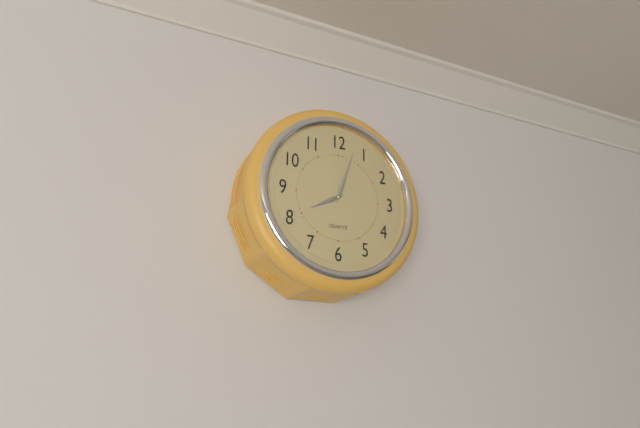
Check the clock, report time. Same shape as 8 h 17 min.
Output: 8 h 03 min
